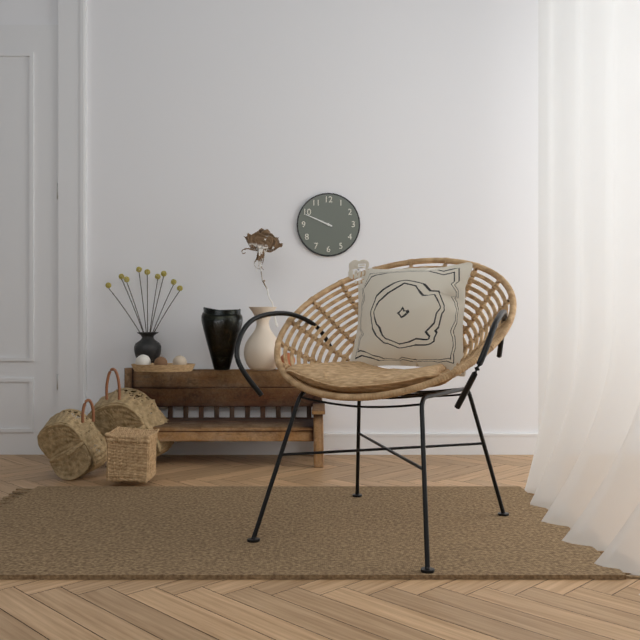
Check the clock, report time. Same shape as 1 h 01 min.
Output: 9 h 49 min
